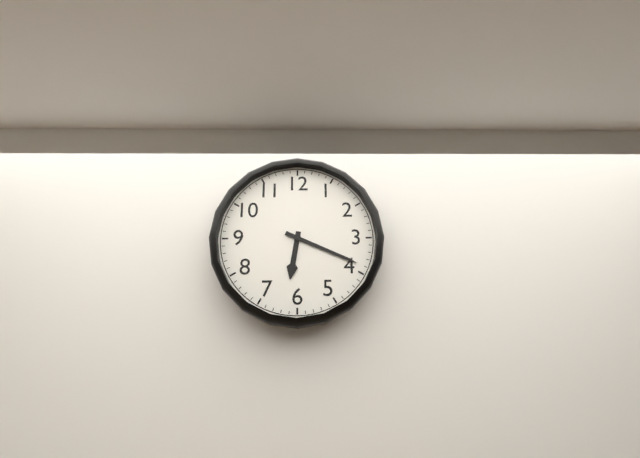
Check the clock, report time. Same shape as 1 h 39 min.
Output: 6 h 19 min
